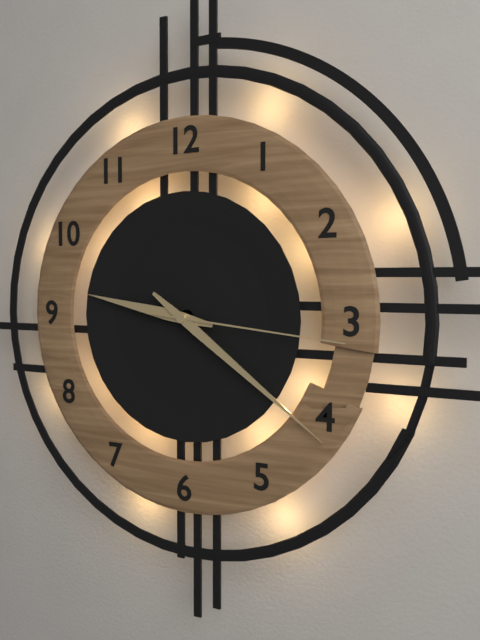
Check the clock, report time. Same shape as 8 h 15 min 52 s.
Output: 9 h 21 min 16 s
